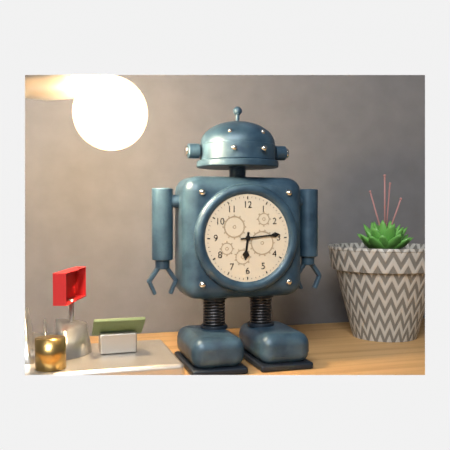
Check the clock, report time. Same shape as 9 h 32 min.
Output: 6 h 14 min
